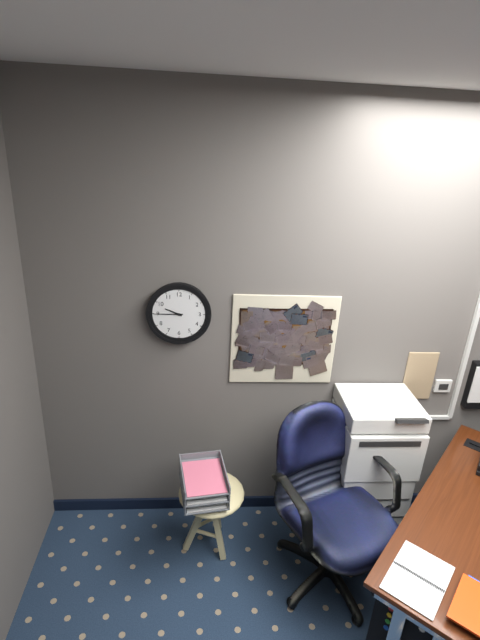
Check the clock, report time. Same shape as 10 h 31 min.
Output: 9 h 45 min
